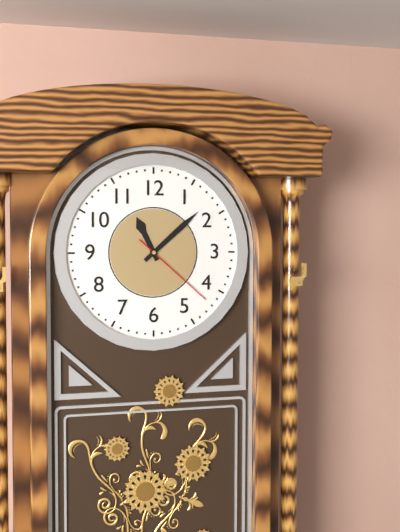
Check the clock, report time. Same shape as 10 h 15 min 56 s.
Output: 11 h 08 min 22 s
